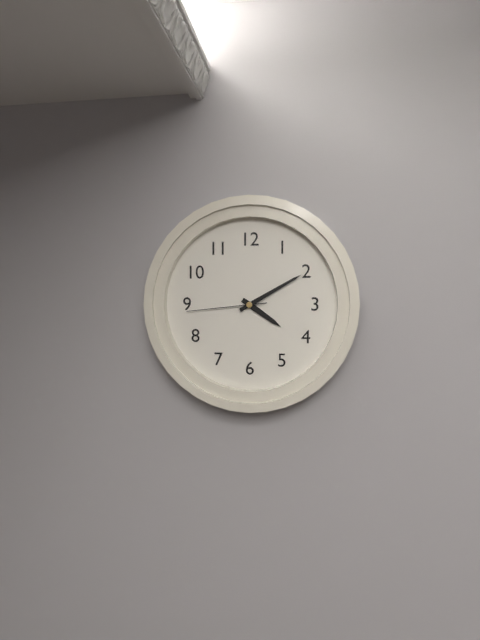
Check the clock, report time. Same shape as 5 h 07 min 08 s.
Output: 4 h 10 min 44 s
